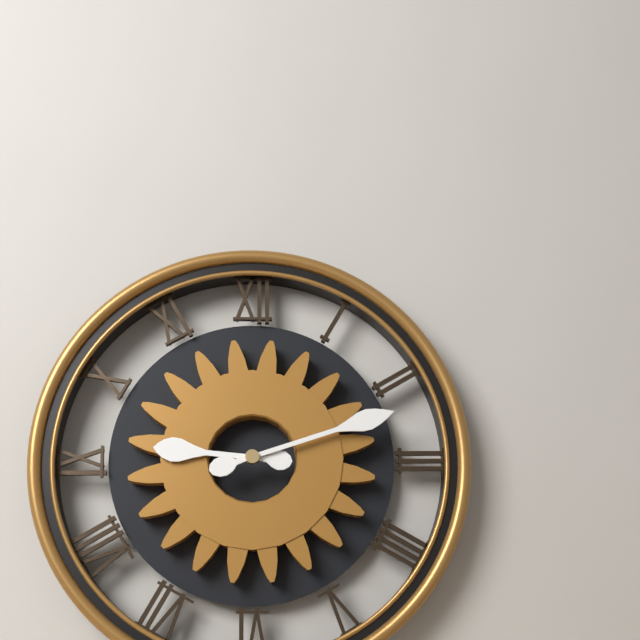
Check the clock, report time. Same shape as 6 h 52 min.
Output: 9 h 12 min
